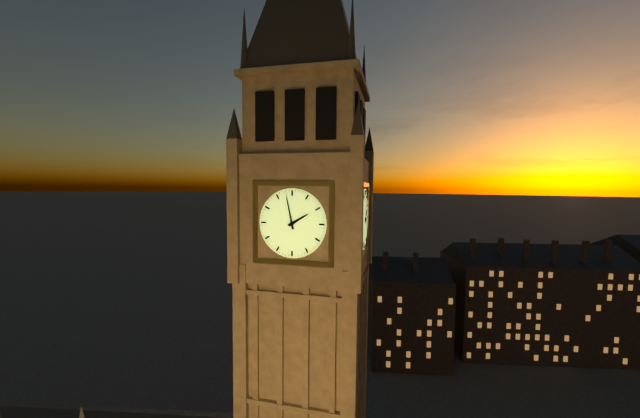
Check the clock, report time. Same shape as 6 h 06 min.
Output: 1 h 58 min
